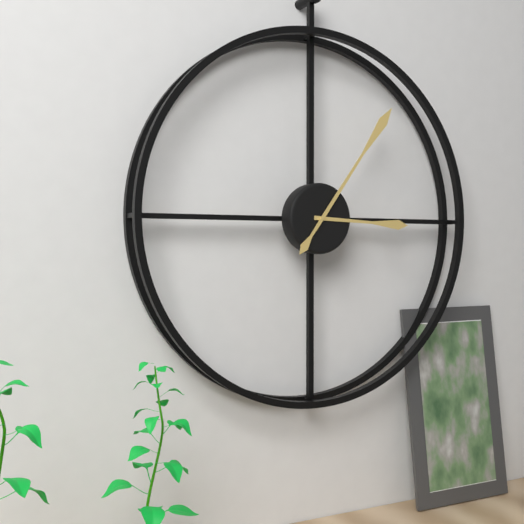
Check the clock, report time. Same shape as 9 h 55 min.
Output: 3 h 06 min
